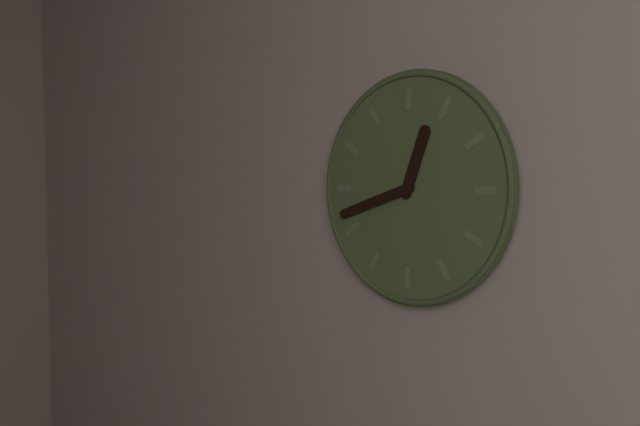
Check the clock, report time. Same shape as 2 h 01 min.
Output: 12 h 42 min
